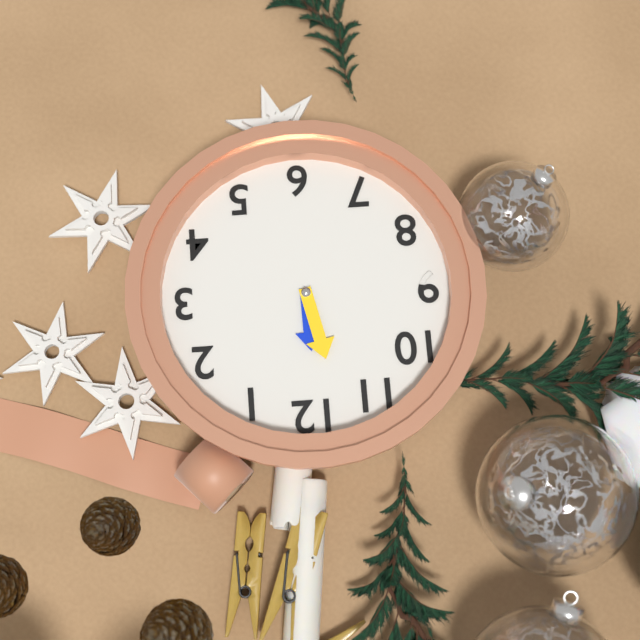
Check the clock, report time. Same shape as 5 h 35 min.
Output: 11 h 58 min
